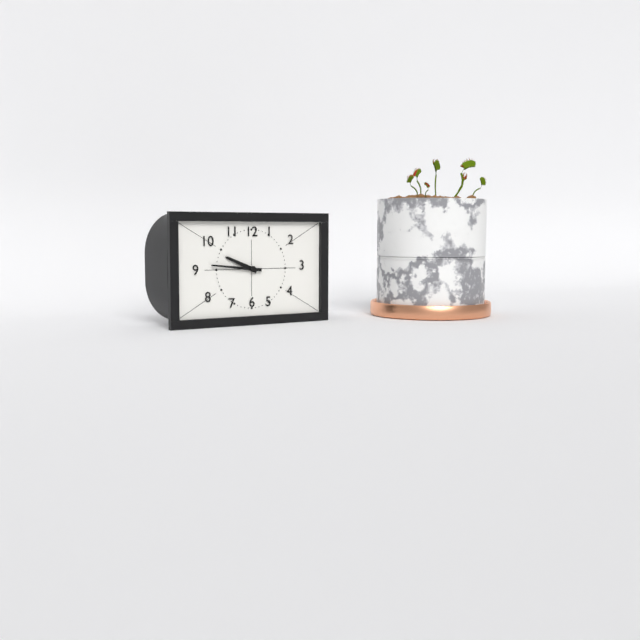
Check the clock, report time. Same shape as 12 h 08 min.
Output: 9 h 46 min
